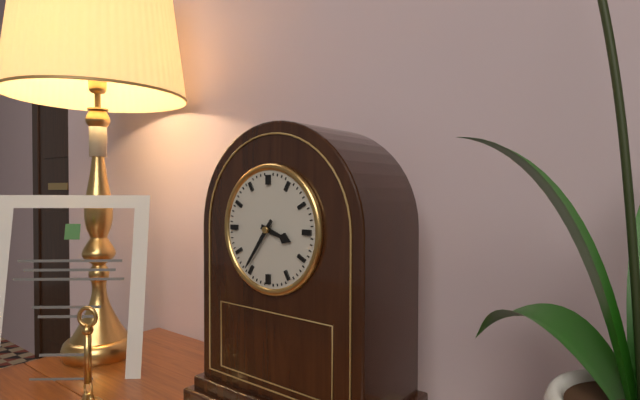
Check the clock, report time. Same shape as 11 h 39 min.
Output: 3 h 36 min
